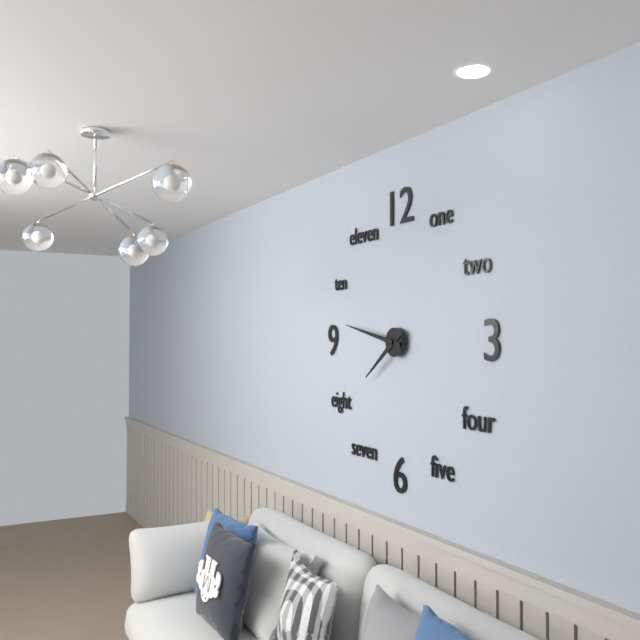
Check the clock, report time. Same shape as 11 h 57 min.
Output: 7 h 47 min
